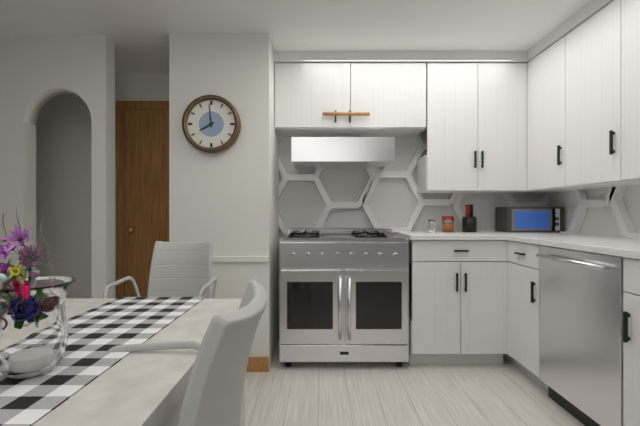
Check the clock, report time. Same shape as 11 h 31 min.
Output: 7 h 59 min
